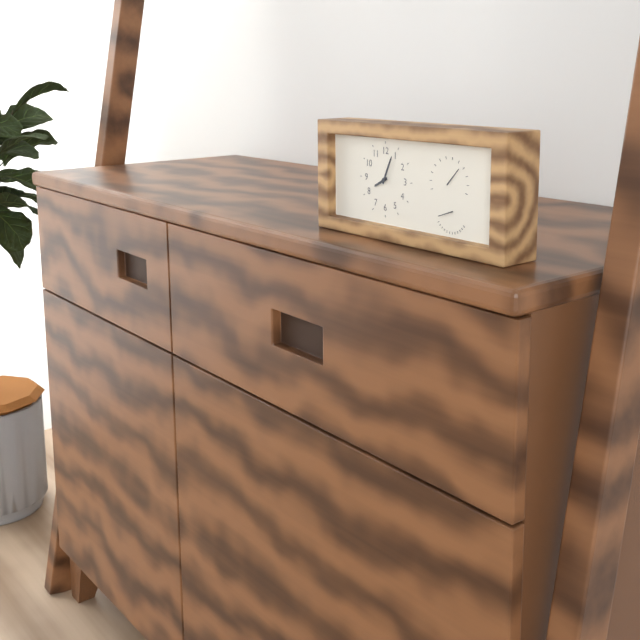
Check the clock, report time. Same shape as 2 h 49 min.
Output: 8 h 04 min
